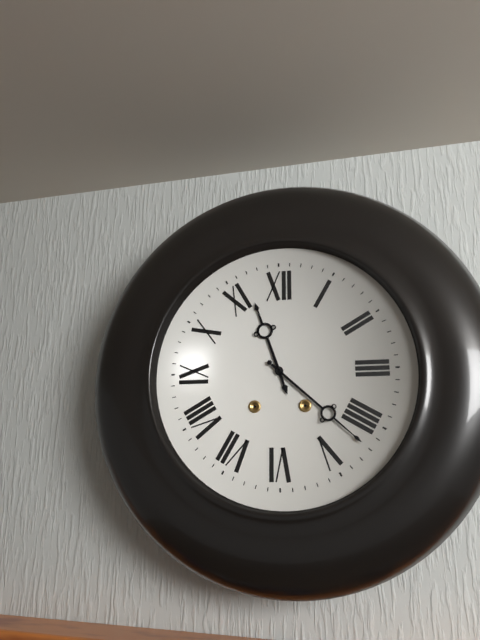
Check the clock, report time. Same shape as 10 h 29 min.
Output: 11 h 22 min
